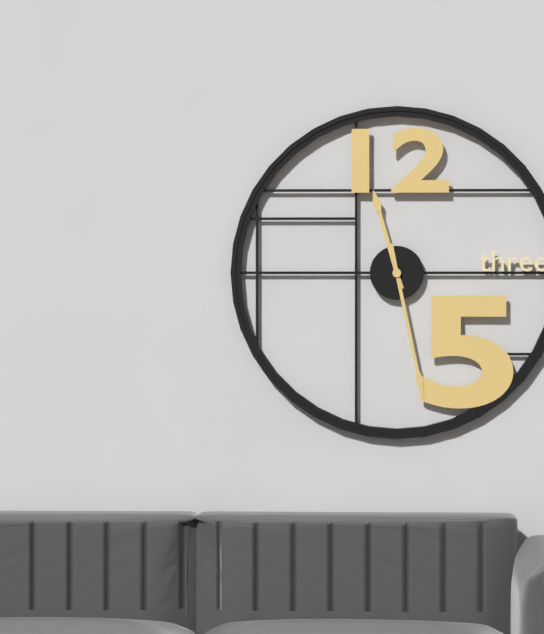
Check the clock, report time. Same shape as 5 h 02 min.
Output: 11 h 28 min
